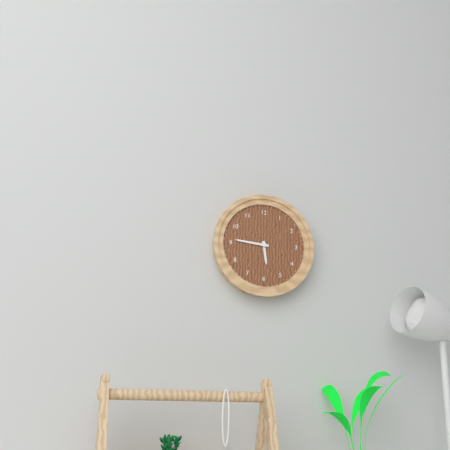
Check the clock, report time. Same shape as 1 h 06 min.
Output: 5 h 46 min
